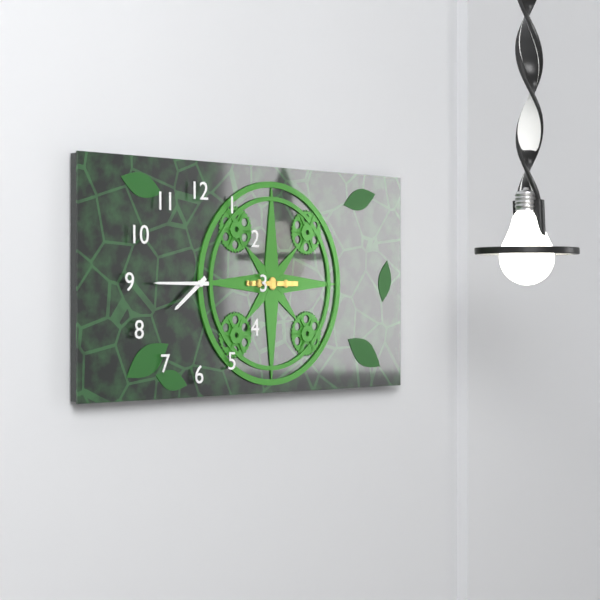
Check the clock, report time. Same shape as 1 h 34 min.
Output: 7 h 45 min
